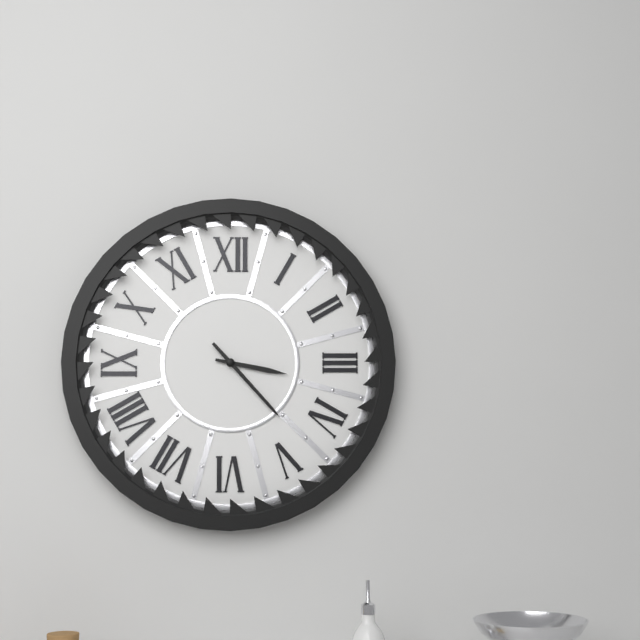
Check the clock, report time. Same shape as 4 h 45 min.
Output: 3 h 23 min
